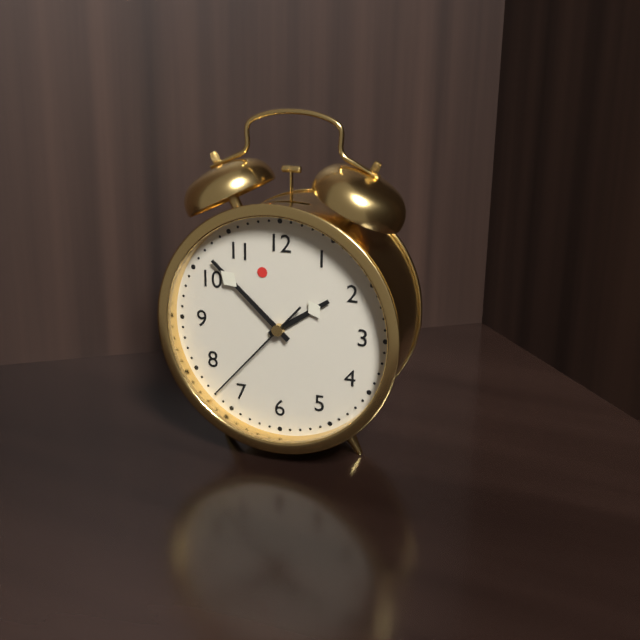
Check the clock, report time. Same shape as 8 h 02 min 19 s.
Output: 1 h 52 min 37 s
